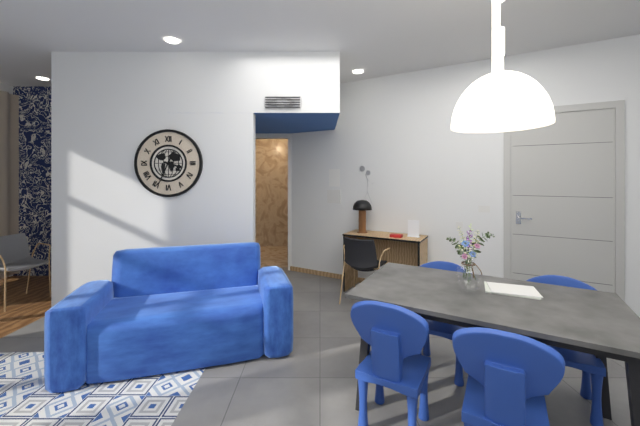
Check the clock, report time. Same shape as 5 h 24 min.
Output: 3 h 34 min
